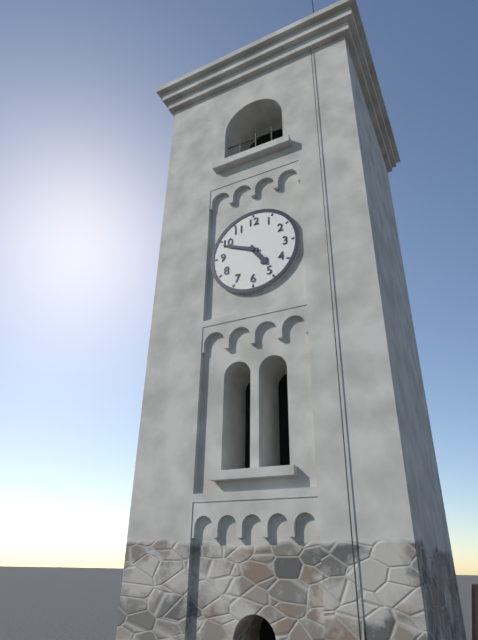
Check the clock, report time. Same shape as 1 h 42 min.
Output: 4 h 49 min
